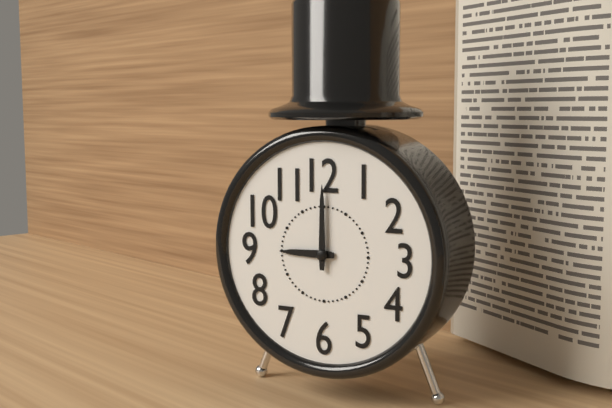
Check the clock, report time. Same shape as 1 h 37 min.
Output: 9 h 00 min
